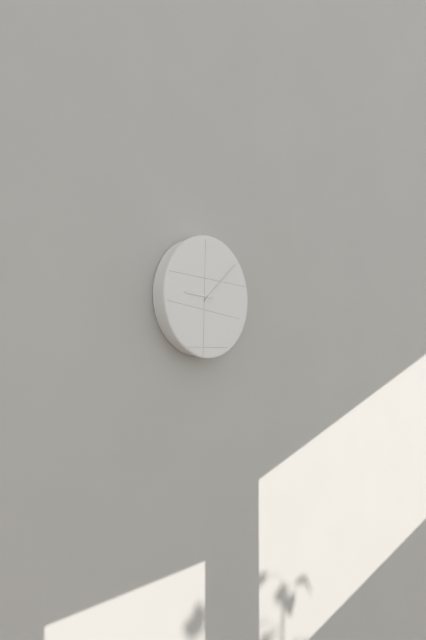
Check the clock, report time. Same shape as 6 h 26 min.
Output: 9 h 08 min
